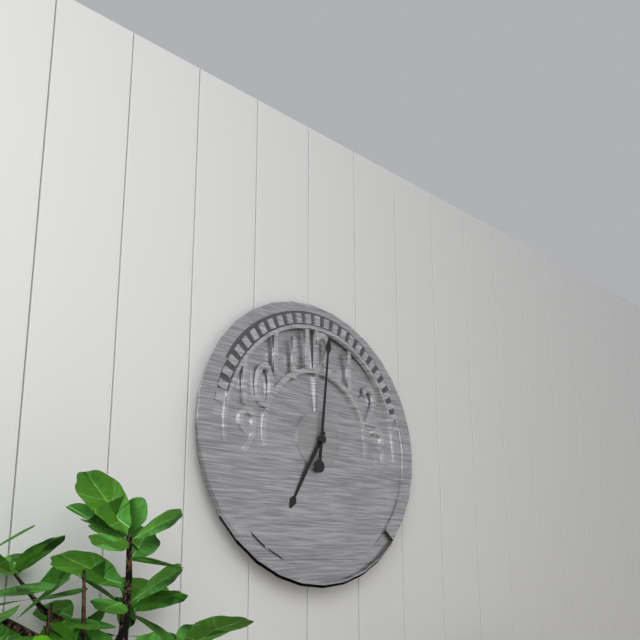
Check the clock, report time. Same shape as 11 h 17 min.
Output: 7 h 01 min
